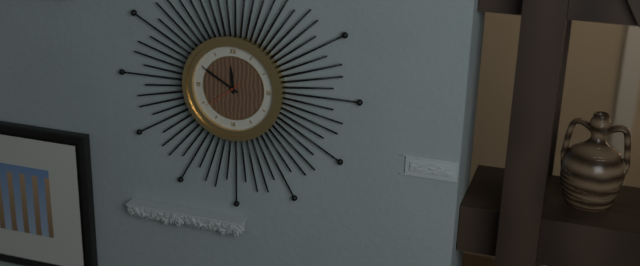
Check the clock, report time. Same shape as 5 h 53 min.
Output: 11 h 50 min
